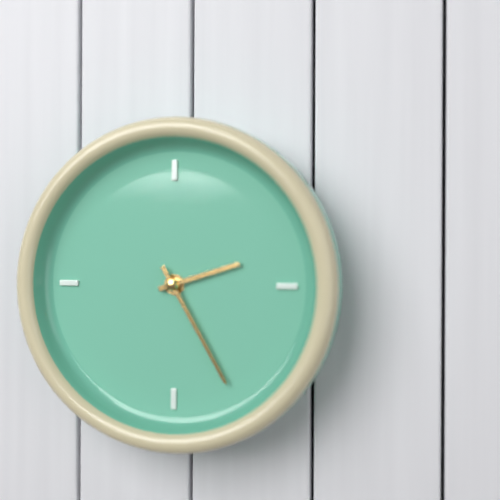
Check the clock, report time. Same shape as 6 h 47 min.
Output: 2 h 25 min
